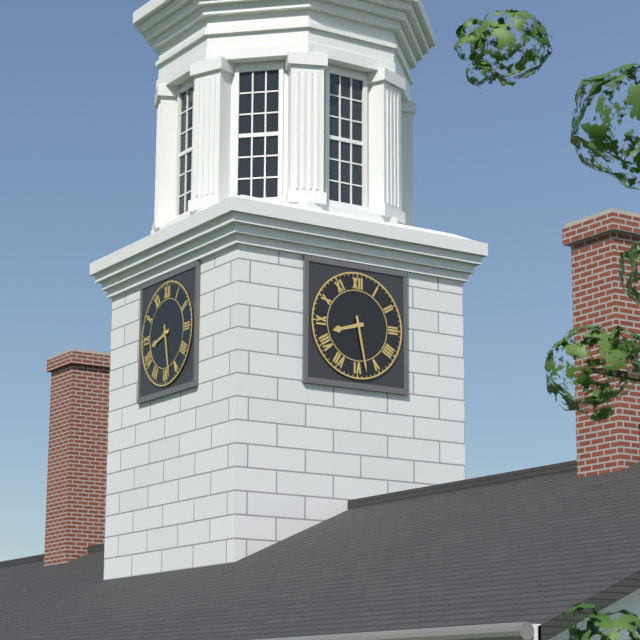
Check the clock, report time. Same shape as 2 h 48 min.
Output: 8 h 28 min
